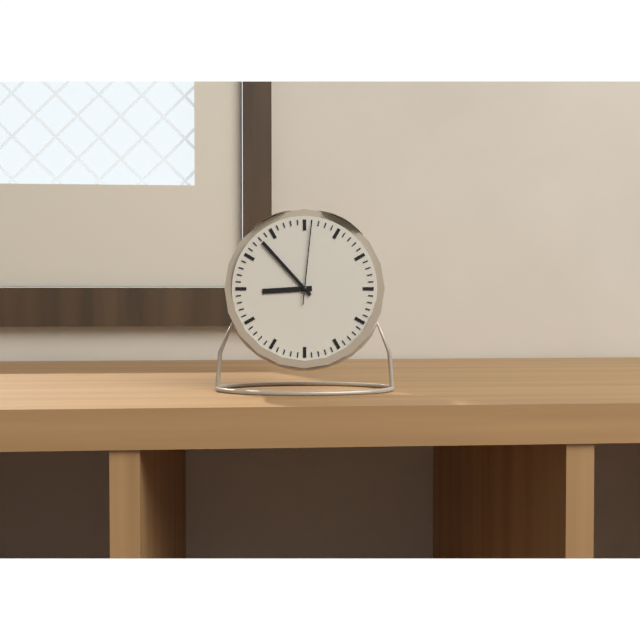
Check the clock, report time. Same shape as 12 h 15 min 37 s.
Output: 8 h 53 min 01 s
